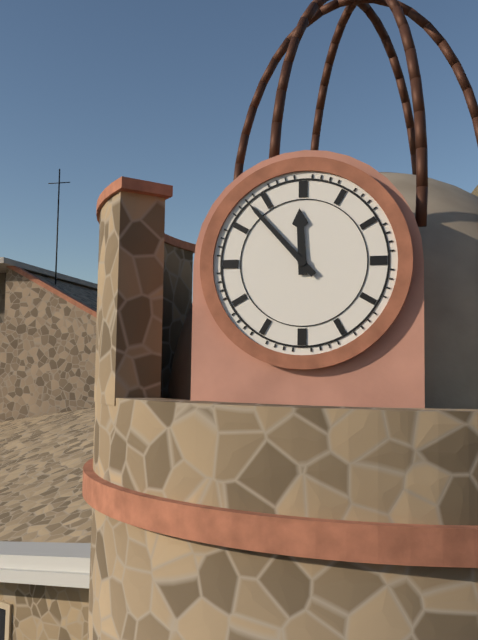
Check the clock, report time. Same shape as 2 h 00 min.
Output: 11 h 53 min
